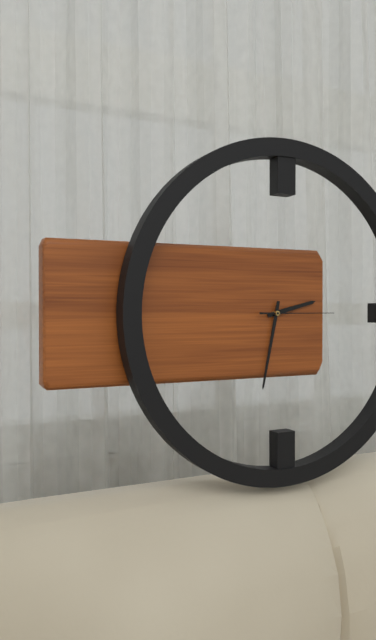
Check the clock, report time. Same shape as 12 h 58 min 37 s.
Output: 2 h 32 min 15 s
